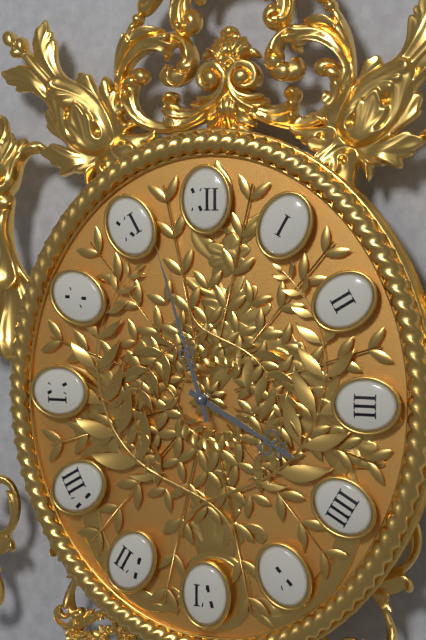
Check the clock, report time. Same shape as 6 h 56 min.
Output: 3 h 57 min
